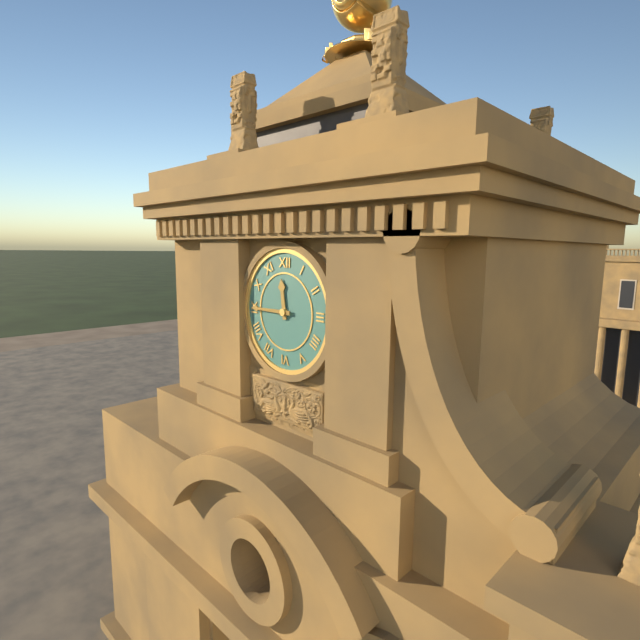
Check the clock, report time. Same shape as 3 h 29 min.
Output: 11 h 45 min
